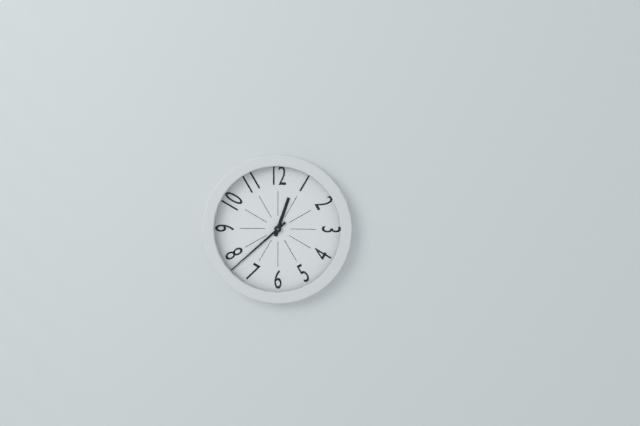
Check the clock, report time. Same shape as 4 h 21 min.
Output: 12 h 38 min
